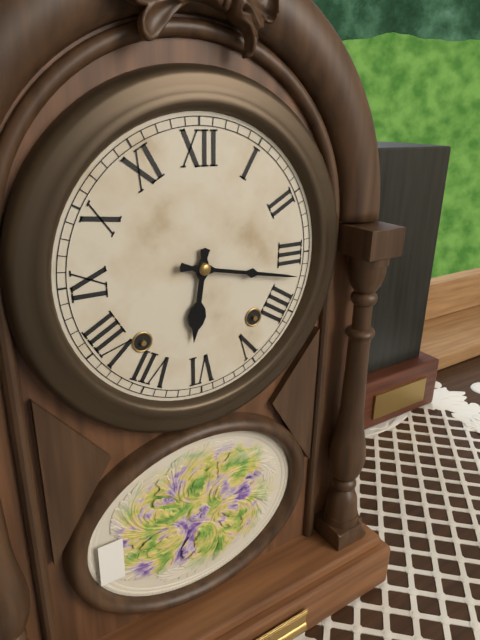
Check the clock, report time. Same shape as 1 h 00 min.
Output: 6 h 17 min
